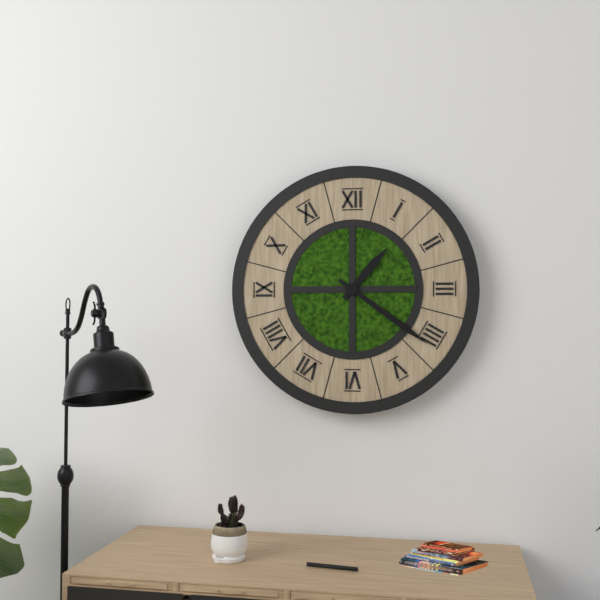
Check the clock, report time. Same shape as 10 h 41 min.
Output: 1 h 21 min
